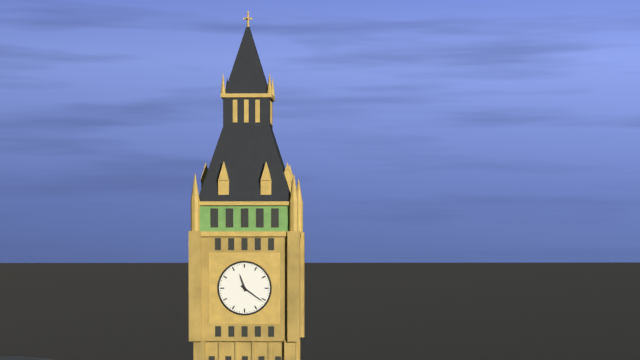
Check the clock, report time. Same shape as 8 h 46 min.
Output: 11 h 21 min
